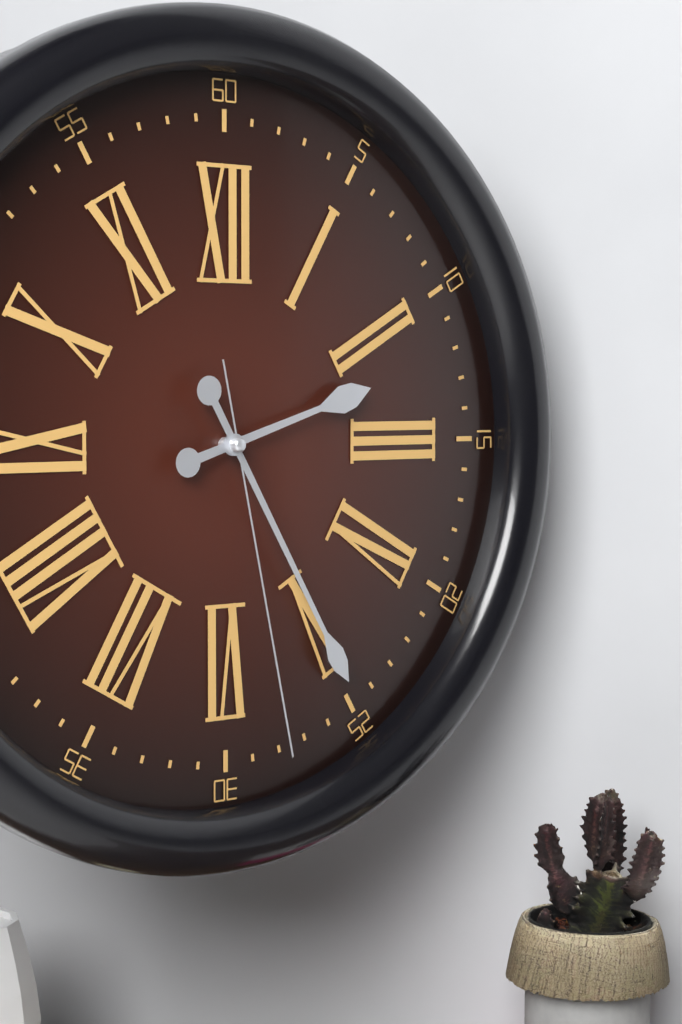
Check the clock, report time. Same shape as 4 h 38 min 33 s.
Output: 2 h 25 min 28 s
